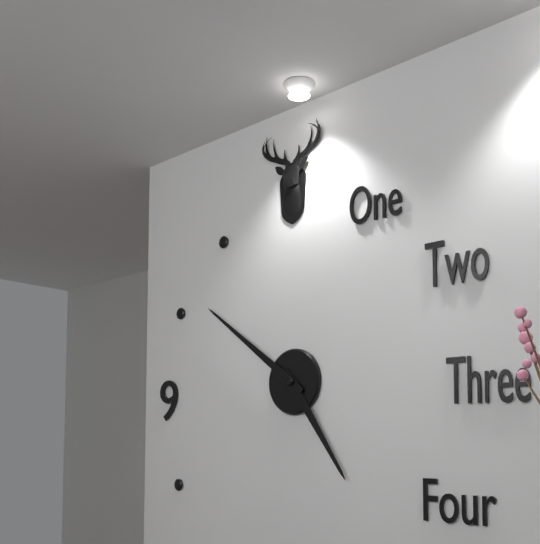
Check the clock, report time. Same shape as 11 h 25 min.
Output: 4 h 51 min
